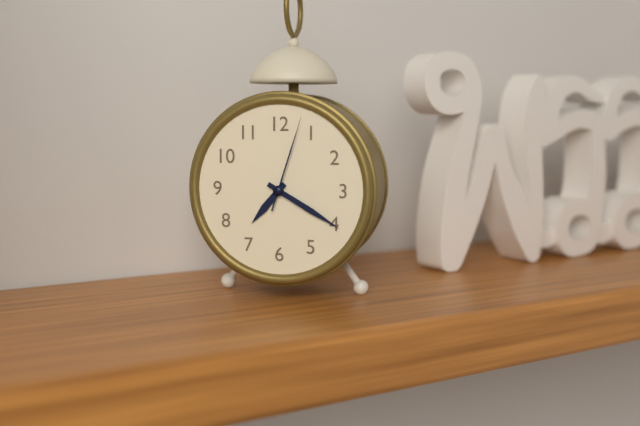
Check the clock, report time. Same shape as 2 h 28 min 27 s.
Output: 7 h 20 min 03 s
